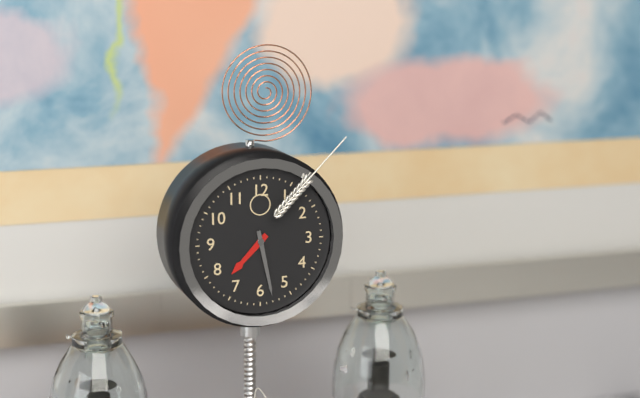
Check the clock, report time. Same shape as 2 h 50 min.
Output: 7 h 28 min
